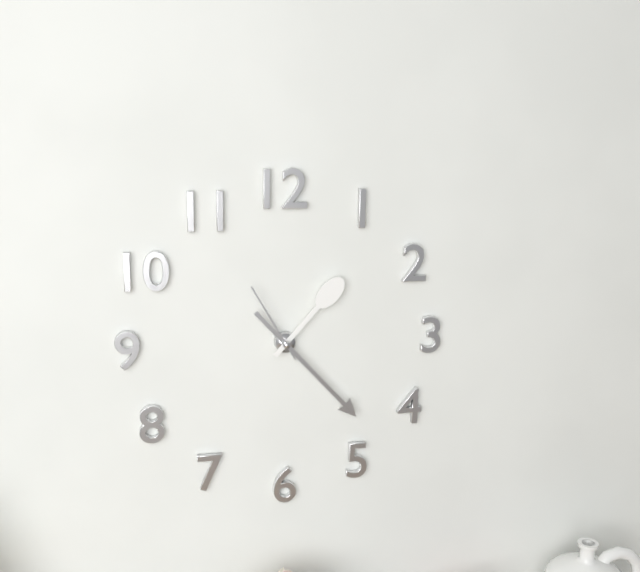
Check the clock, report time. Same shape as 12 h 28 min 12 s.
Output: 1 h 23 min 55 s
